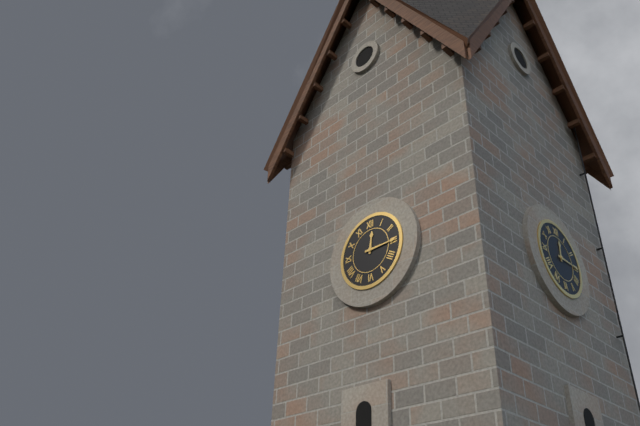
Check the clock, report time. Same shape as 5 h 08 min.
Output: 12 h 15 min
